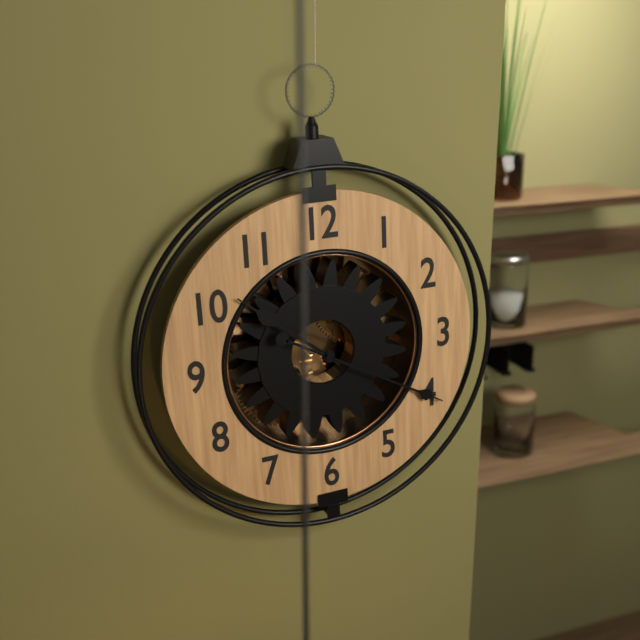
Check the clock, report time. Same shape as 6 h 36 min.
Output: 10 h 20 min
